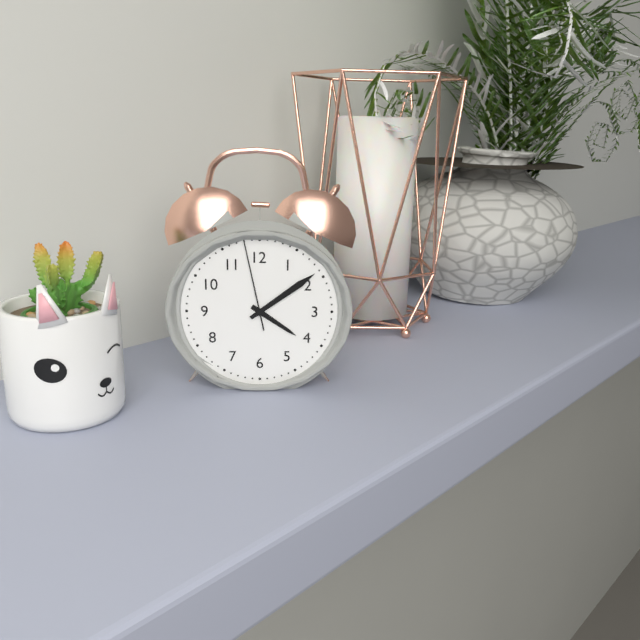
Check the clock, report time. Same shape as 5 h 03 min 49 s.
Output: 4 h 09 min 58 s
